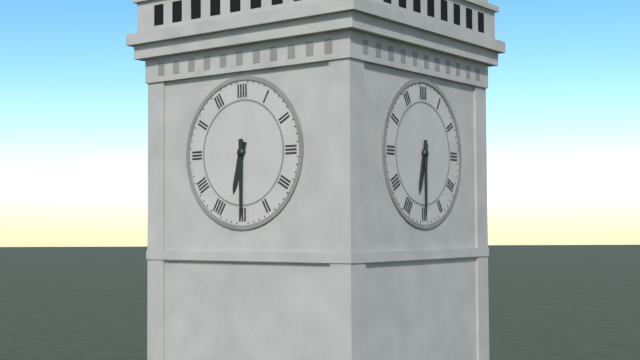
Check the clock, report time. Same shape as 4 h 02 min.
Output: 6 h 30 min
